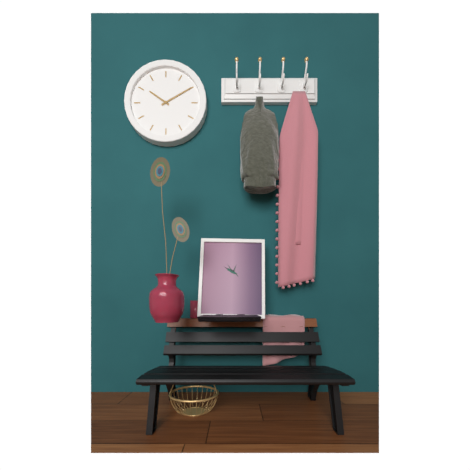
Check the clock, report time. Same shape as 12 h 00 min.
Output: 10 h 10 min
